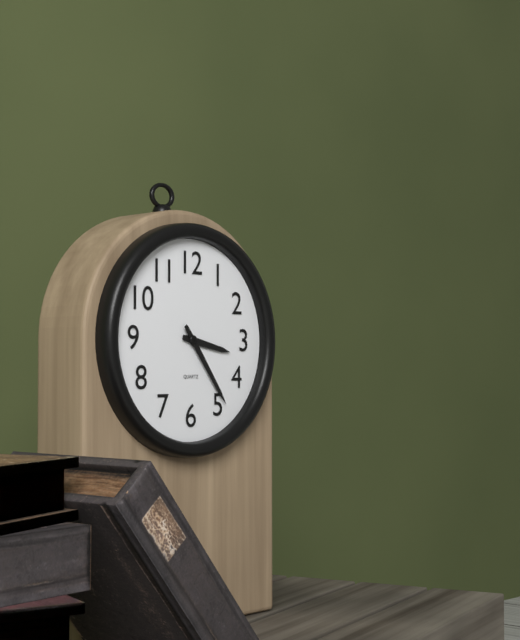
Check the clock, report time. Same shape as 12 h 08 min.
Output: 3 h 24 min
